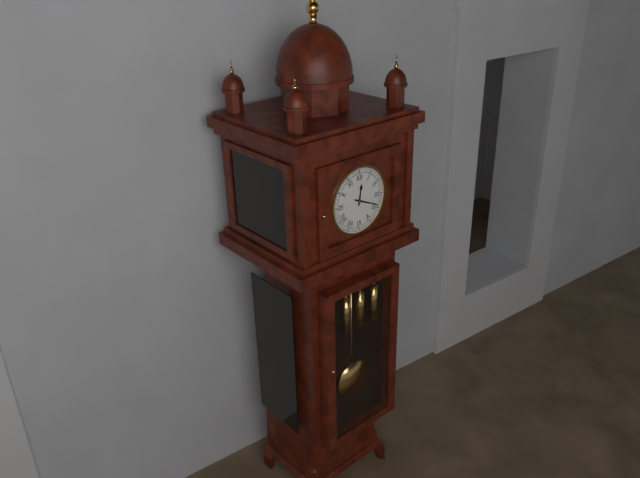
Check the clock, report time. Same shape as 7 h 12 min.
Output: 12 h 19 min
